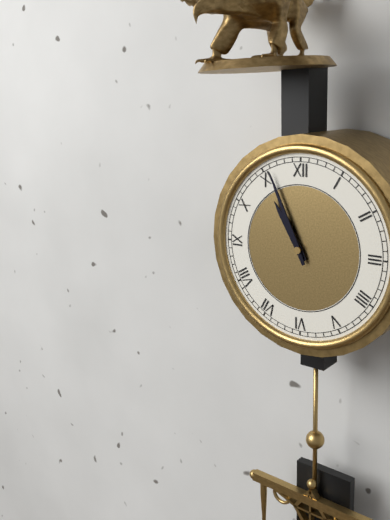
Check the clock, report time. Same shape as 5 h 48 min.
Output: 10 h 56 min
